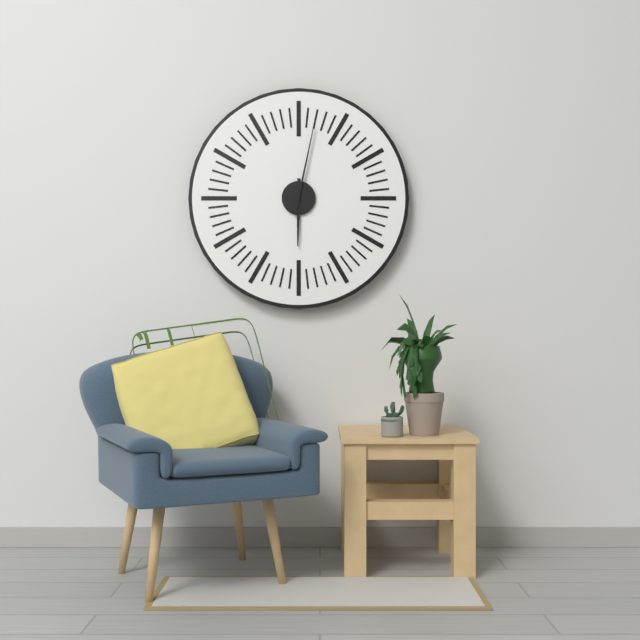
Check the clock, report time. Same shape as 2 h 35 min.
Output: 6 h 02 min
